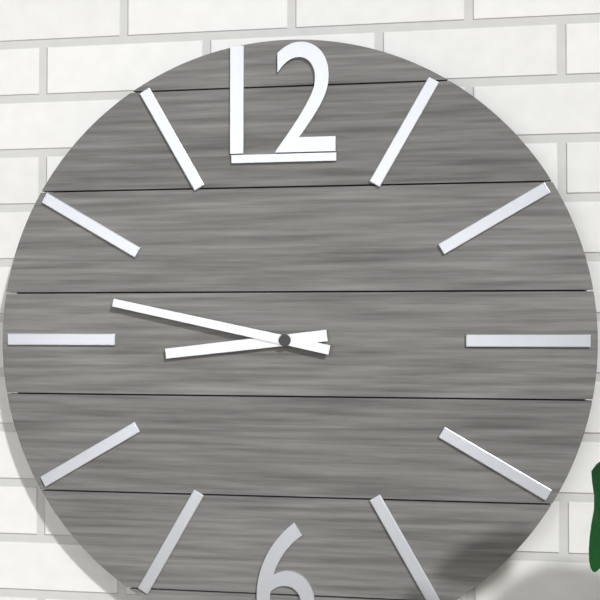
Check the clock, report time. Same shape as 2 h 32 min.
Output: 8 h 47 min
